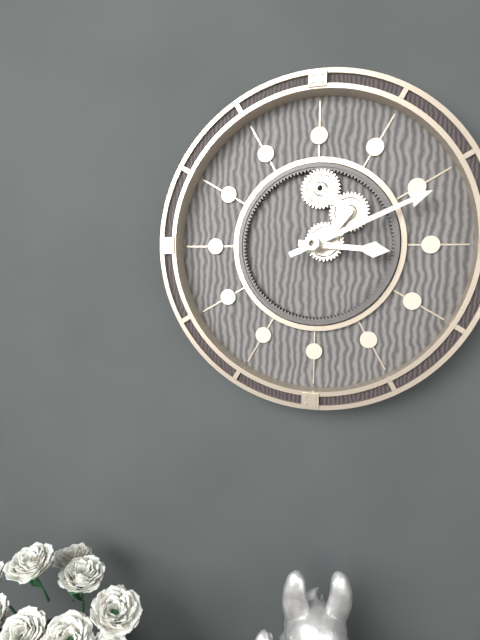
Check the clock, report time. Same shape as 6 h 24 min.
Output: 3 h 11 min
